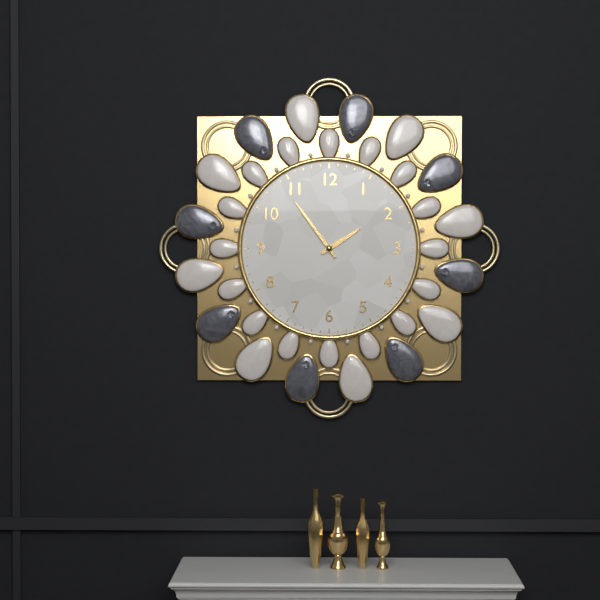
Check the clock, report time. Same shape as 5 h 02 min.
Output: 1 h 54 min
